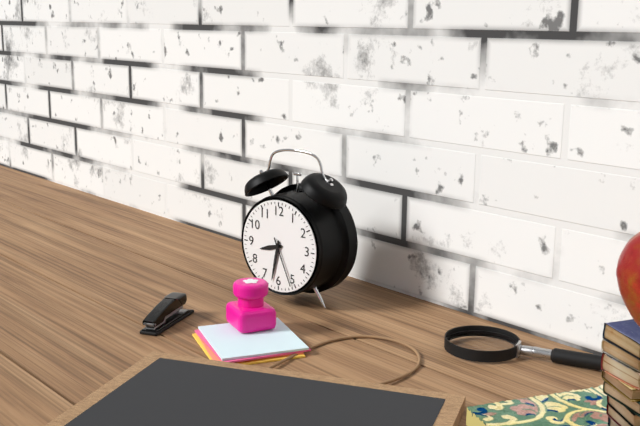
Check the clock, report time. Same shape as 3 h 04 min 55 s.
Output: 8 h 32 min 26 s
